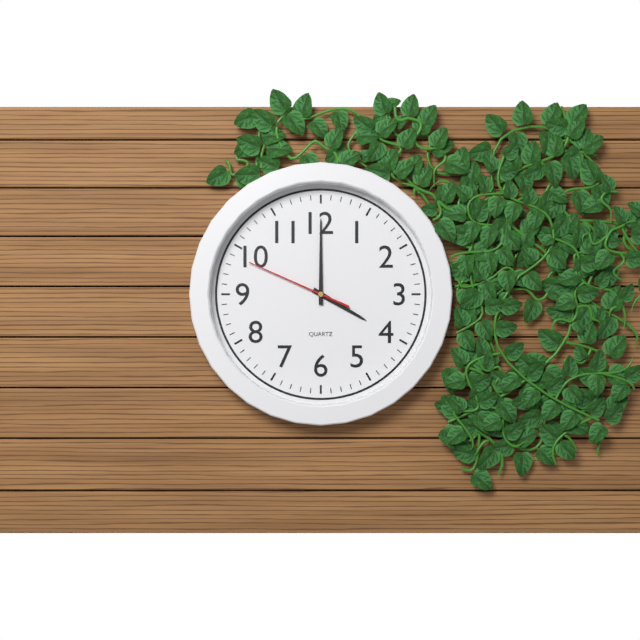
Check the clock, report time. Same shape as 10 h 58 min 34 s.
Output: 4 h 00 min 49 s
